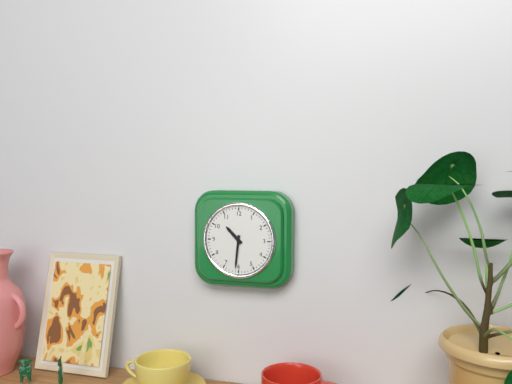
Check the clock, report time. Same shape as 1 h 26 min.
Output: 10 h 31 min
